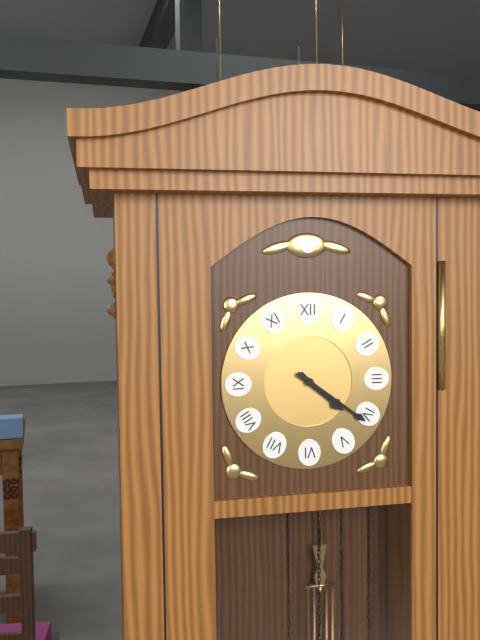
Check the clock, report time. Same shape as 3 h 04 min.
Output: 4 h 21 min
